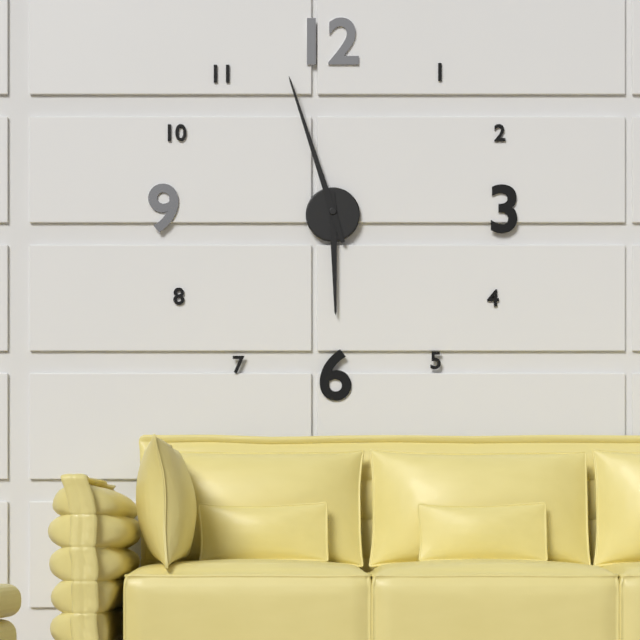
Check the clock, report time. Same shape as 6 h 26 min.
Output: 5 h 57 min
